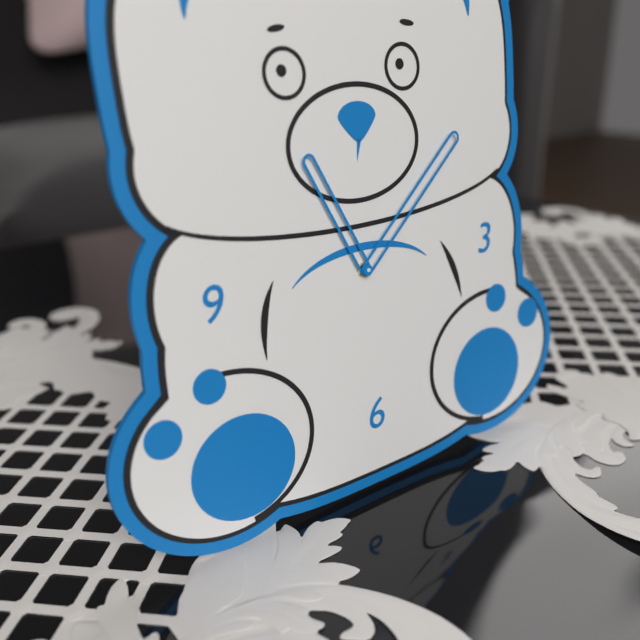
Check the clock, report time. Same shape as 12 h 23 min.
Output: 11 h 08 min
